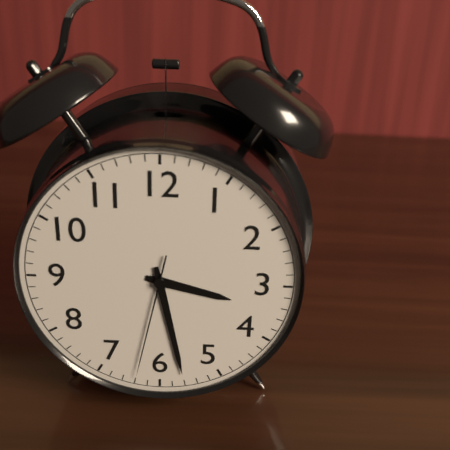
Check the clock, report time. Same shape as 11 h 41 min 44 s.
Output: 3 h 28 min 32 s
